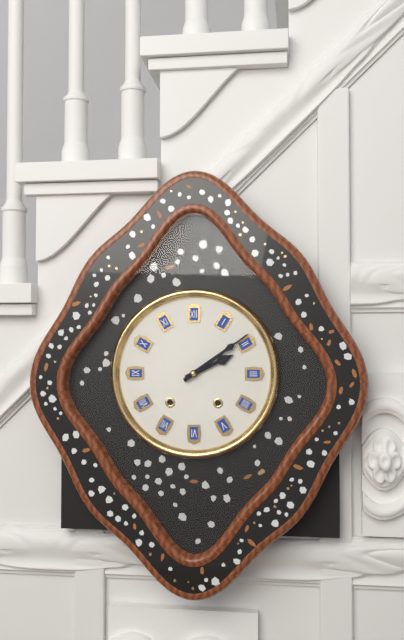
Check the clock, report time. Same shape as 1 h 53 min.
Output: 2 h 09 min
